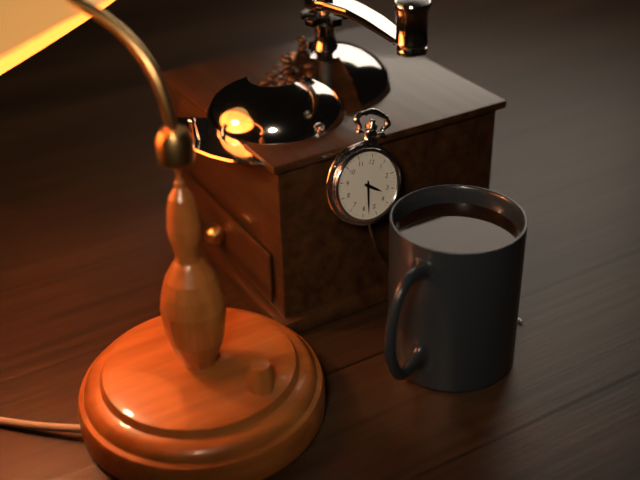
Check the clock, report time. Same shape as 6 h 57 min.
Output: 3 h 28 min
